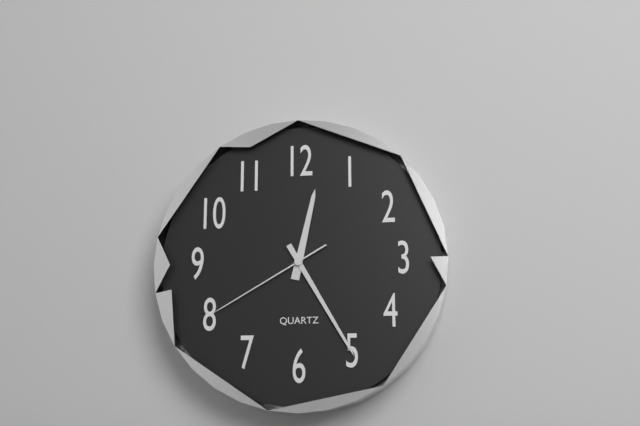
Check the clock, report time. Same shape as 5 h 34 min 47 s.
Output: 12 h 25 min 40 s
